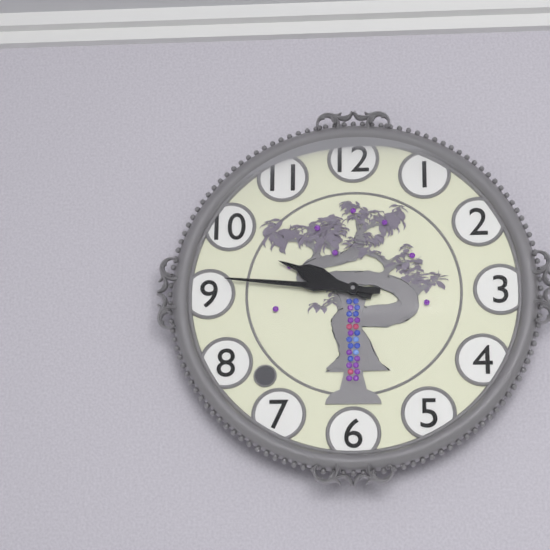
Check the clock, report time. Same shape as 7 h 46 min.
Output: 9 h 46 min
